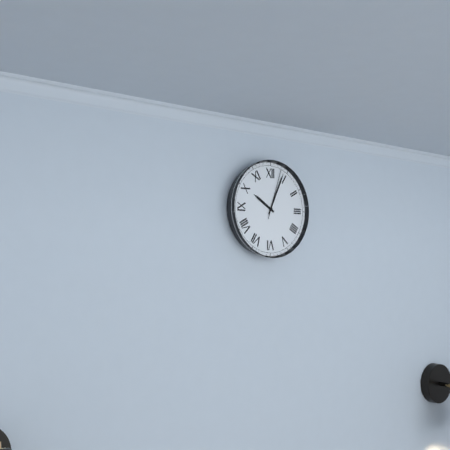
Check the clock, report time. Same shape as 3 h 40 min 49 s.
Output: 10 h 04 min 03 s
